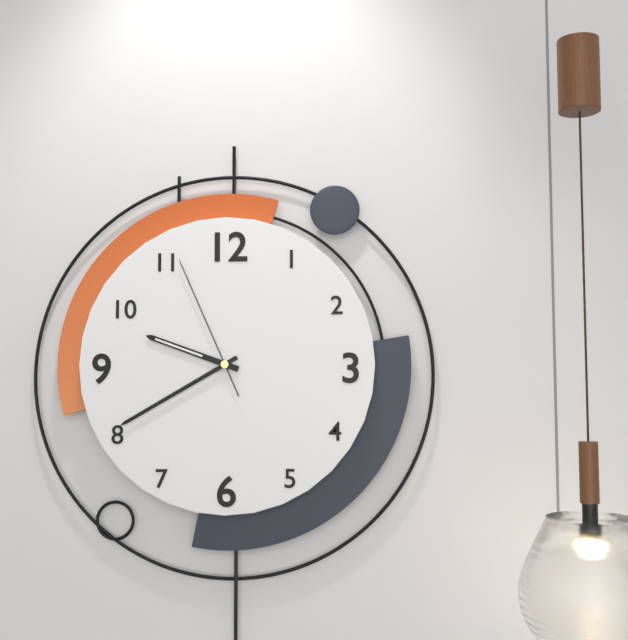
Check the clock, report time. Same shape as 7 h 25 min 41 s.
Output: 9 h 40 min 56 s
